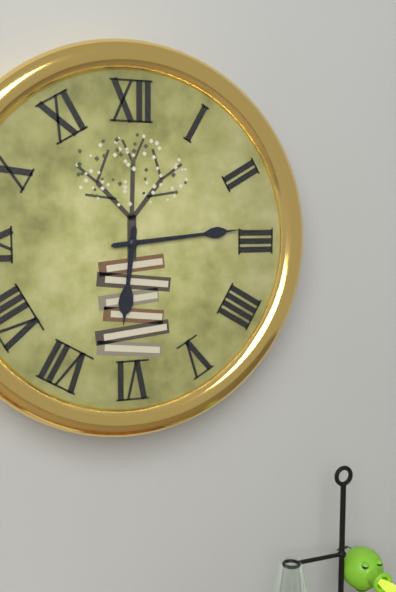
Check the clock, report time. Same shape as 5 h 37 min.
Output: 6 h 14 min
